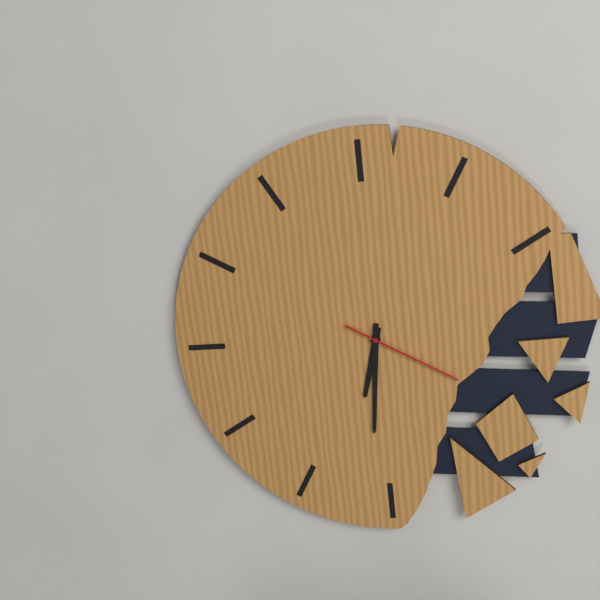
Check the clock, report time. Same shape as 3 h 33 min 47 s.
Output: 6 h 31 min 20 s
